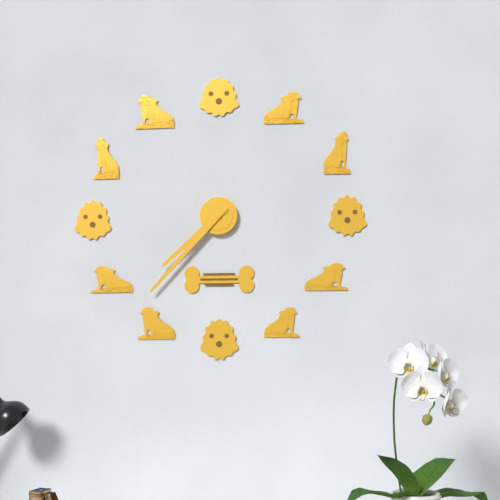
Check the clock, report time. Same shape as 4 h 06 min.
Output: 7 h 37 min
